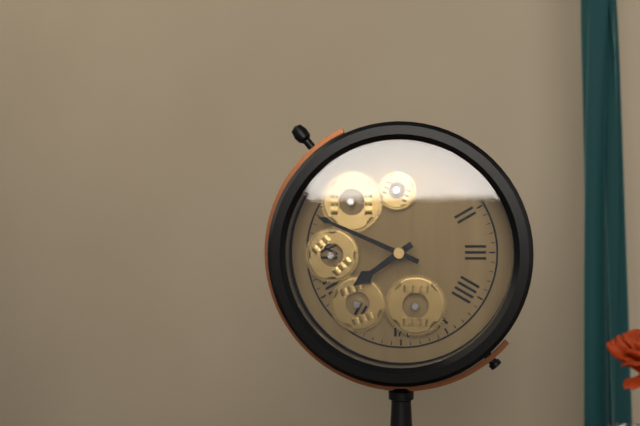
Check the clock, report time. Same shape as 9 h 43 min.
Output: 7 h 49 min
